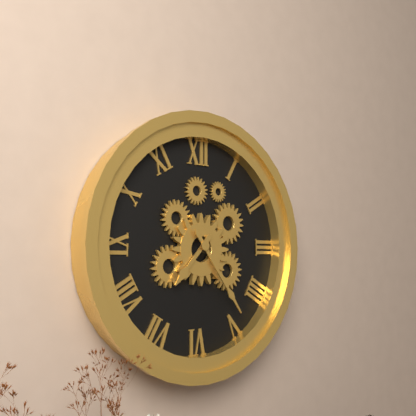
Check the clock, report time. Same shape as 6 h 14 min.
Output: 7 h 24 min
